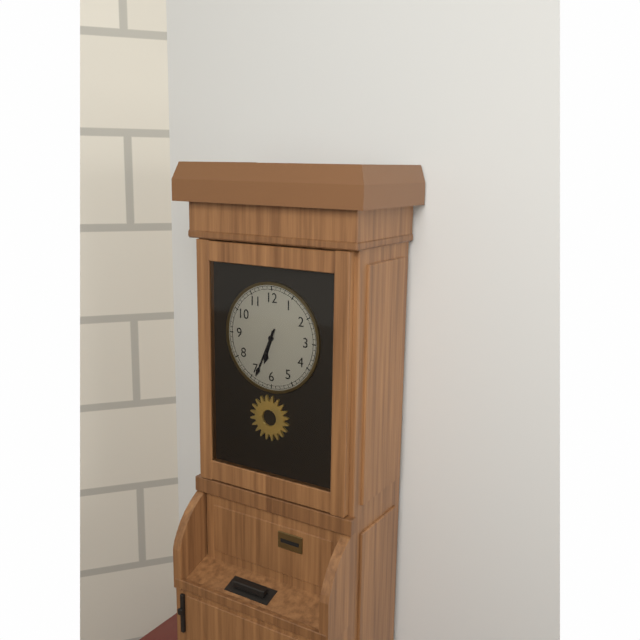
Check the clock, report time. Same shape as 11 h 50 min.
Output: 6 h 34 min
